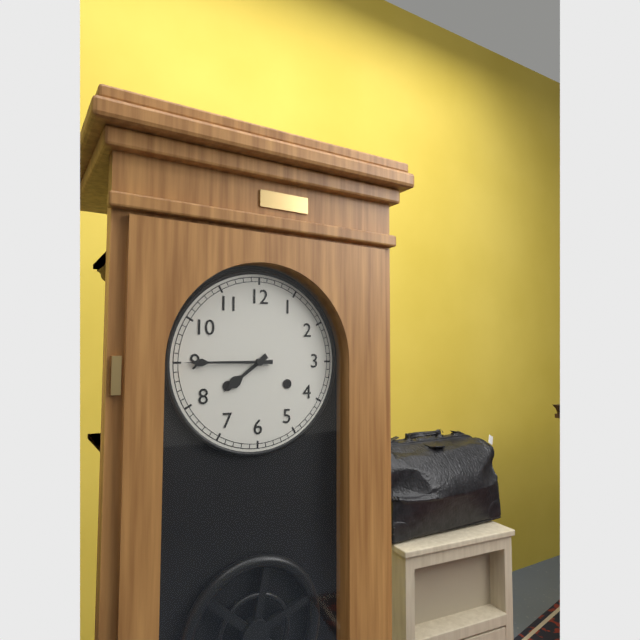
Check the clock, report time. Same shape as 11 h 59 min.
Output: 7 h 45 min
